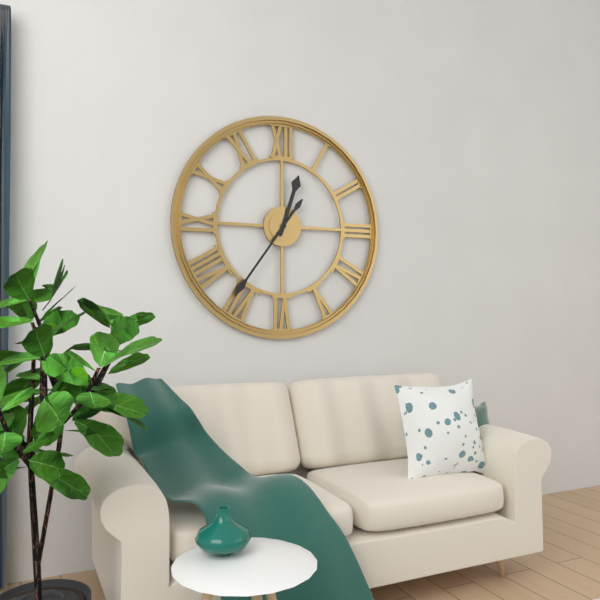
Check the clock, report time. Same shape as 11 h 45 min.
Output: 12 h 36 min
